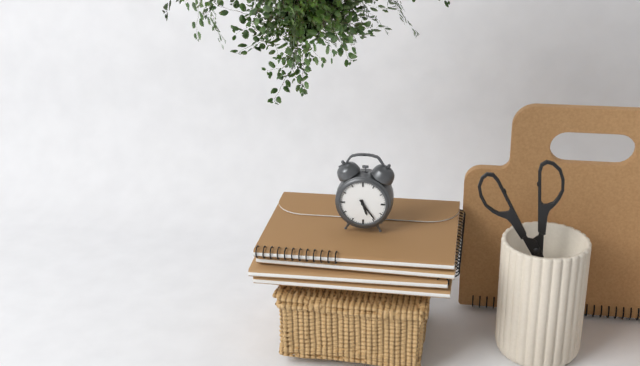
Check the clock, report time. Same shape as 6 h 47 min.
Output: 5 h 24 min
